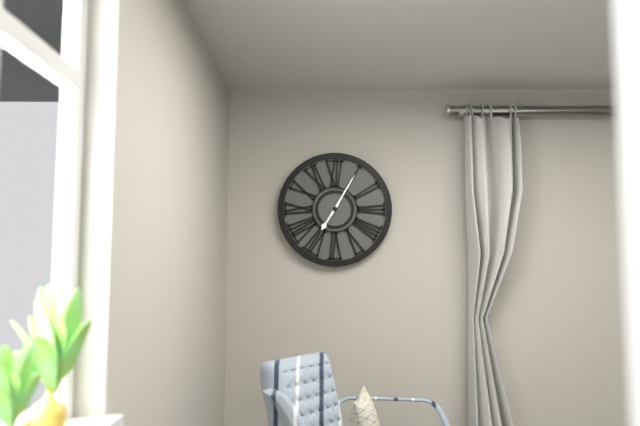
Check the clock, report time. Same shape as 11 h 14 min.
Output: 7 h 05 min
